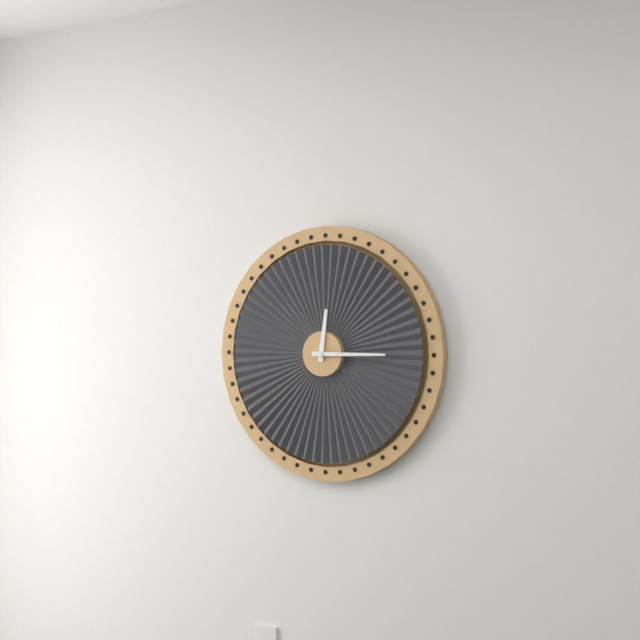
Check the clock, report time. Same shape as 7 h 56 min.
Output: 12 h 15 min
